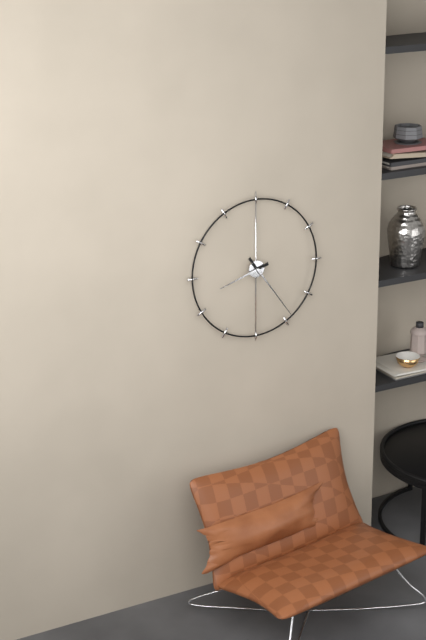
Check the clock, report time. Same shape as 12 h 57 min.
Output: 8 h 24 min
